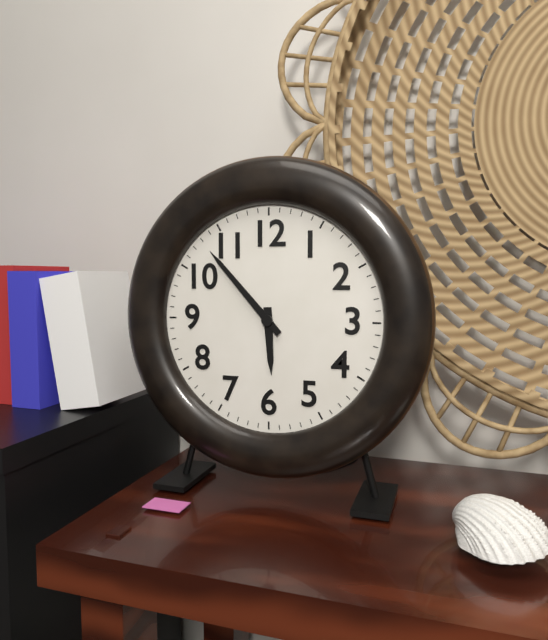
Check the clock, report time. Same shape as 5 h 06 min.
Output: 5 h 53 min
